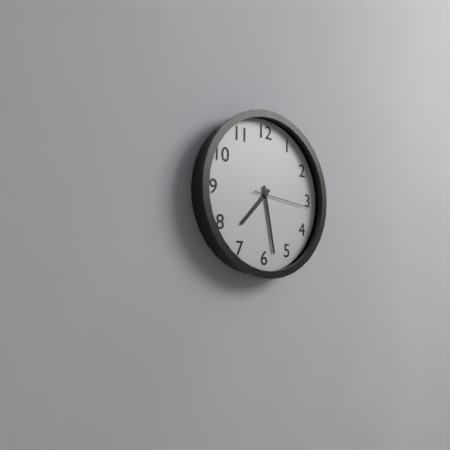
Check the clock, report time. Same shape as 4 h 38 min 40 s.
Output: 7 h 28 min 16 s
